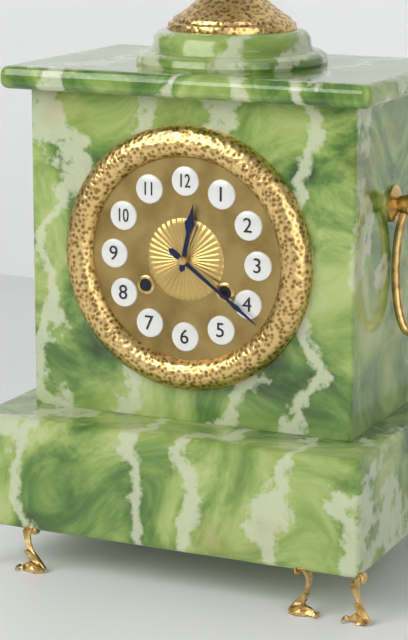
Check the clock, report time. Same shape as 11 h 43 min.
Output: 12 h 21 min
